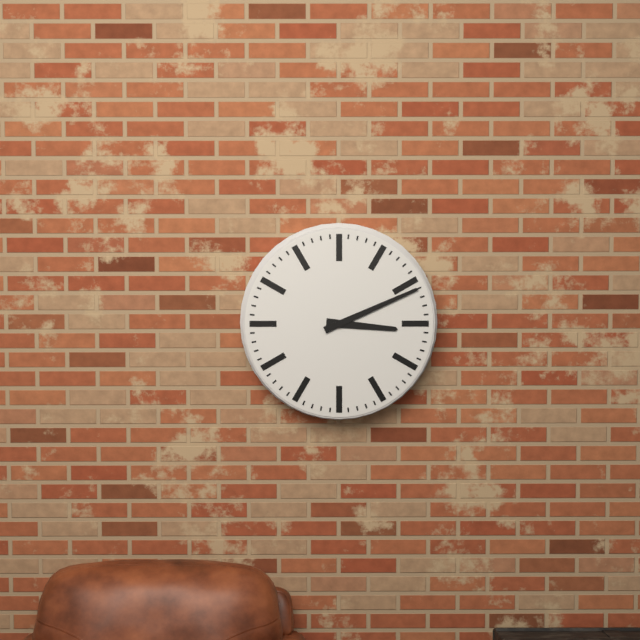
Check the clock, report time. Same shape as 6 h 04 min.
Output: 3 h 11 min
